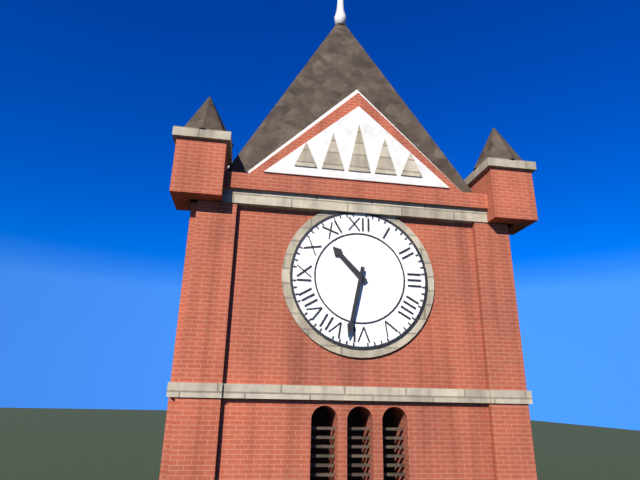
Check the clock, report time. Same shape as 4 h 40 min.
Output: 10 h 32 min
